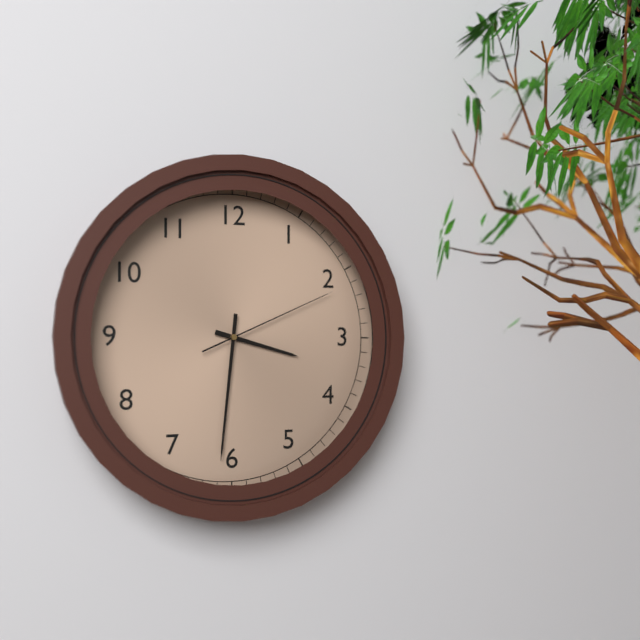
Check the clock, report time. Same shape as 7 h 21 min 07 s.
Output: 3 h 31 min 11 s
